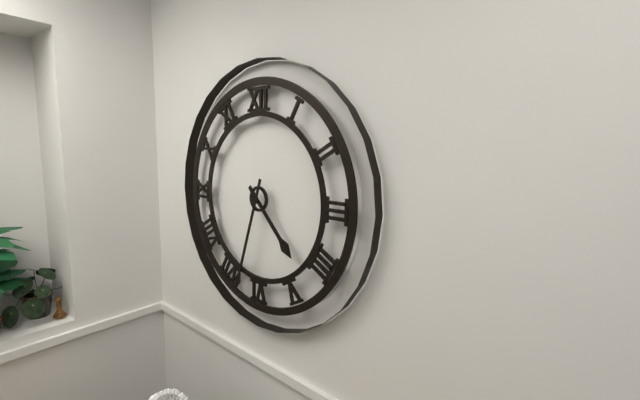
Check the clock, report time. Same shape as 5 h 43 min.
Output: 4 h 33 min
